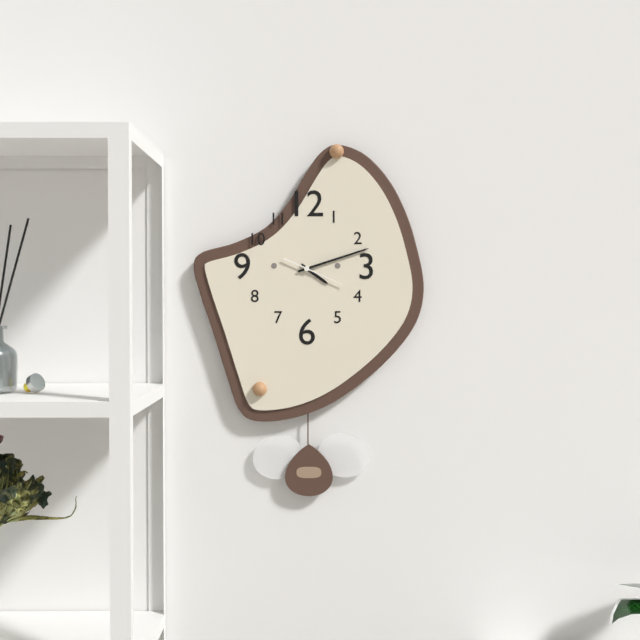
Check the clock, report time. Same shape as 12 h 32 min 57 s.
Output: 4 h 12 min 19 s
